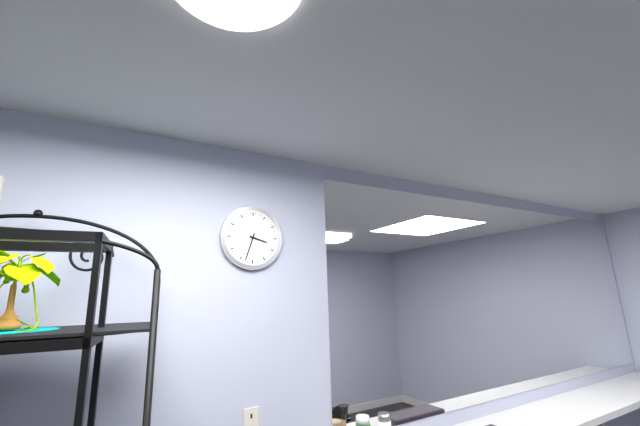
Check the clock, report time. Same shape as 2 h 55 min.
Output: 3 h 33 min
